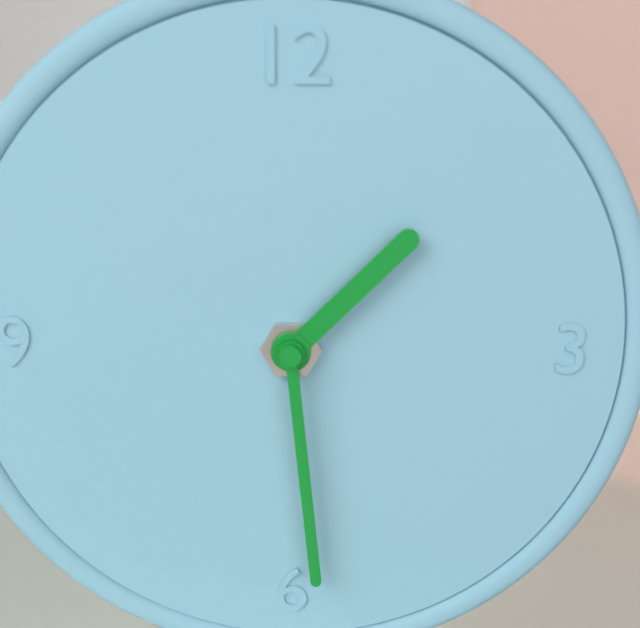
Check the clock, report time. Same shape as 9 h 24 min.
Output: 1 h 29 min
